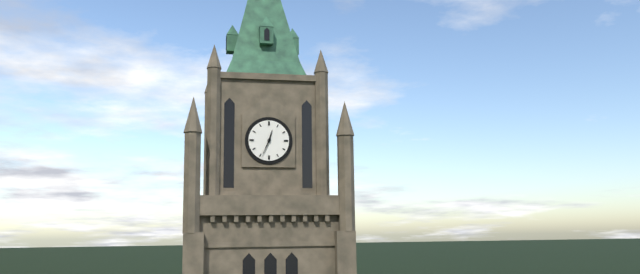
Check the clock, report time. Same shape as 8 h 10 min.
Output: 12 h 34 min
